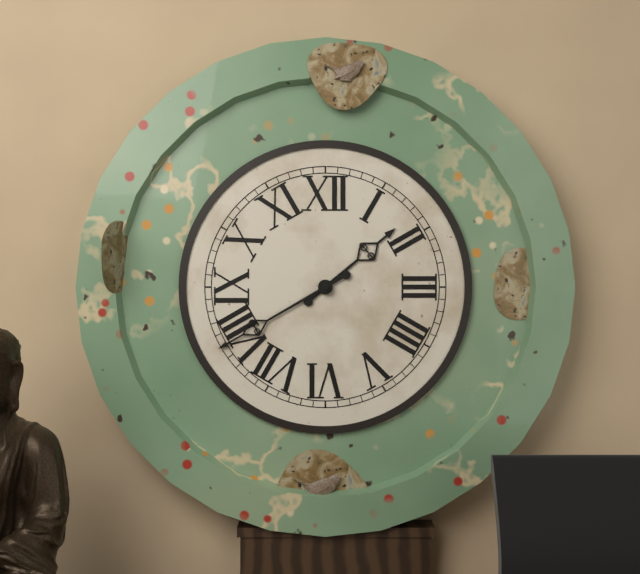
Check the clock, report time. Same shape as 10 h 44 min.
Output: 1 h 40 min
